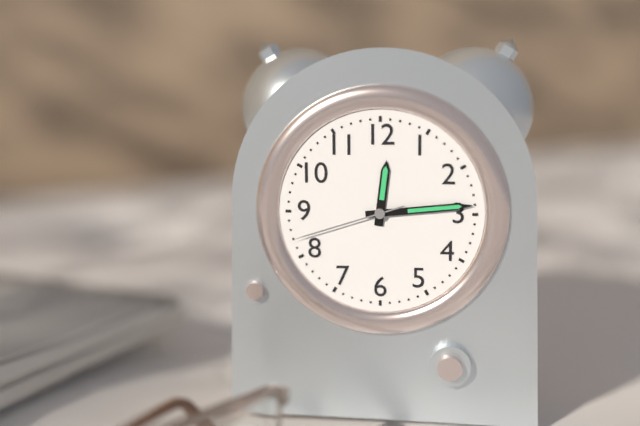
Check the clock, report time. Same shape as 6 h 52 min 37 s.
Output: 12 h 14 min 42 s
